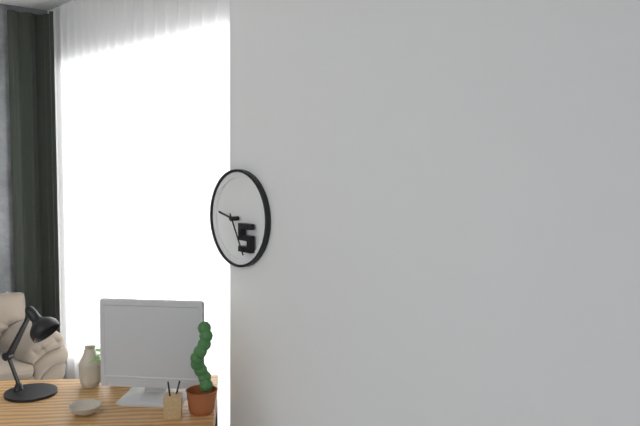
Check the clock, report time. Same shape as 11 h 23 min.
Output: 9 h 25 min
